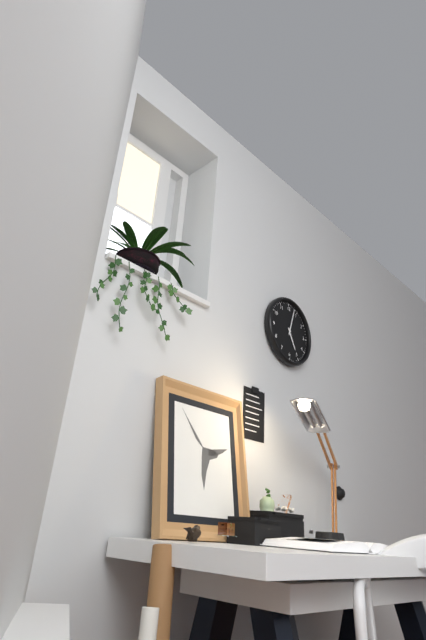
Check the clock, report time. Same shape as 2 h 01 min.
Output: 5 h 03 min
